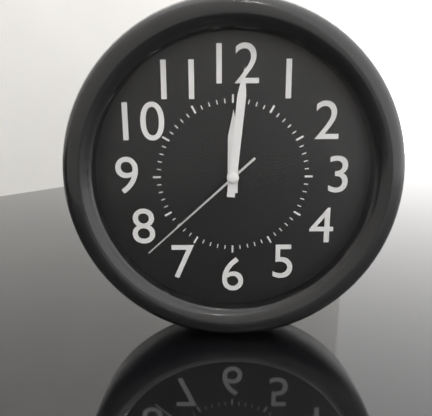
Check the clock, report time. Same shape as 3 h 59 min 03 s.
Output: 12 h 01 min 38 s
